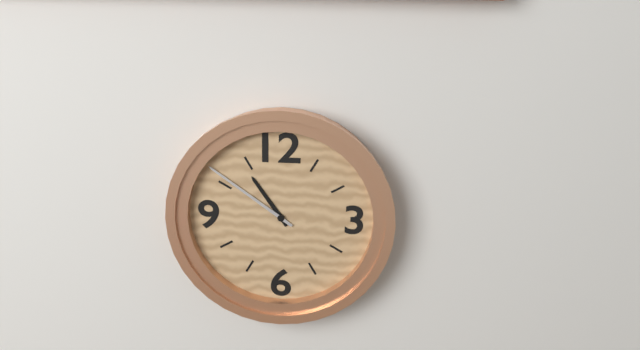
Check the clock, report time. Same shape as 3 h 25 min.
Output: 10 h 51 min
